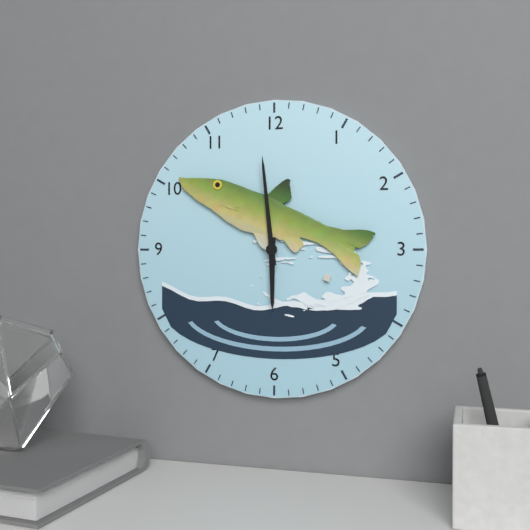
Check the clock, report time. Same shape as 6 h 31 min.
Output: 5 h 59 min
